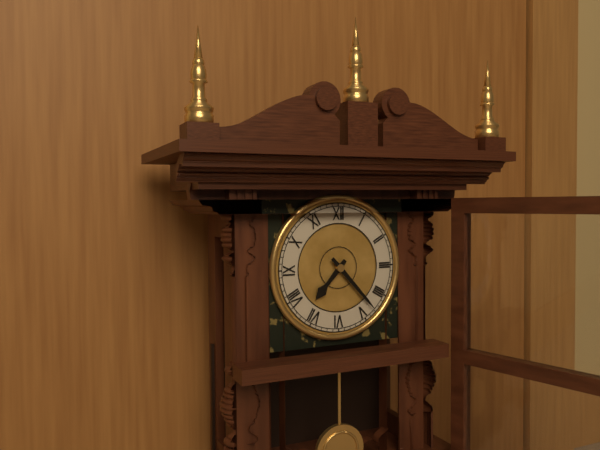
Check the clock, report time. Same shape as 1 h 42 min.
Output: 7 h 23 min
